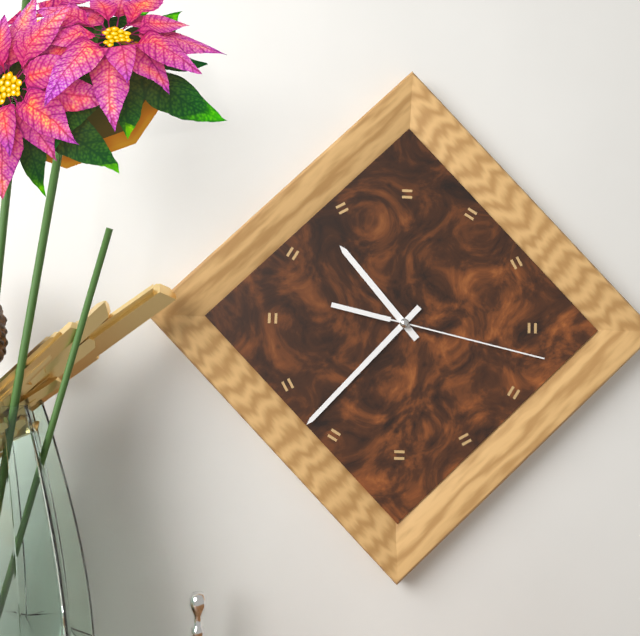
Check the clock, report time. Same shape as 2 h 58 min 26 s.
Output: 10 h 37 min 17 s
